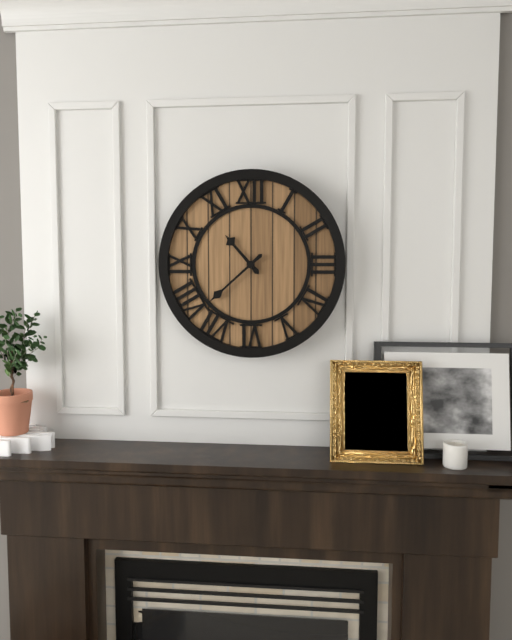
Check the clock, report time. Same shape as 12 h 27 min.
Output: 10 h 38 min
